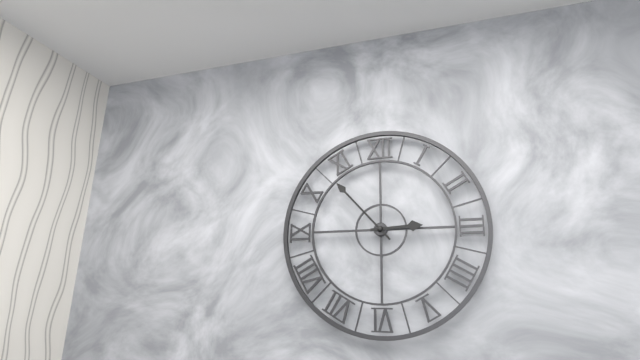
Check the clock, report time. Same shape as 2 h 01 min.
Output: 2 h 53 min
